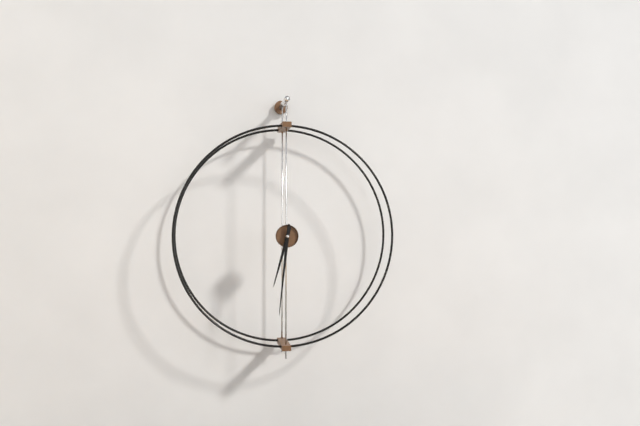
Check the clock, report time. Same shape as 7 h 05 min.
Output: 6 h 31 min
